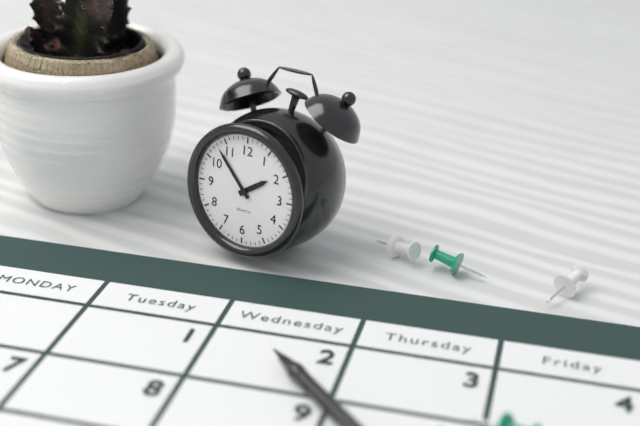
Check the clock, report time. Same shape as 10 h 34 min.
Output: 1 h 53 min
